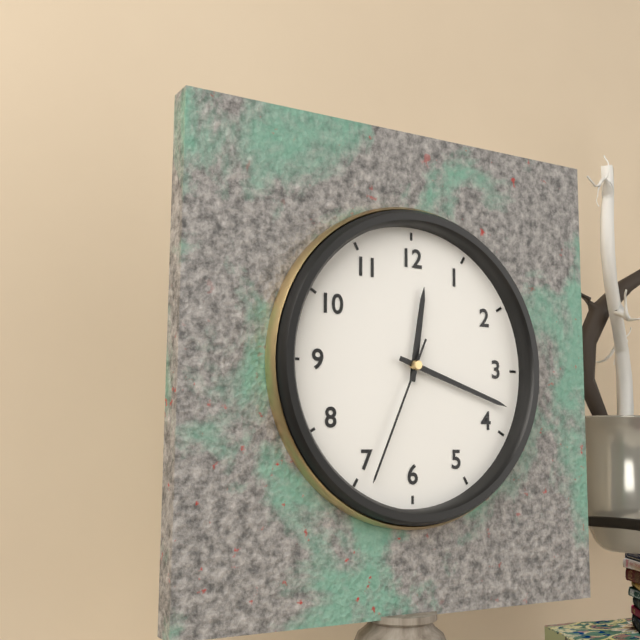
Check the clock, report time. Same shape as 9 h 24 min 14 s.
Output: 12 h 18 min 34 s
